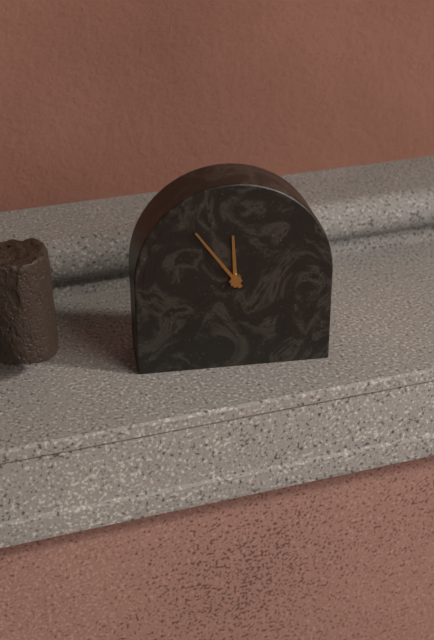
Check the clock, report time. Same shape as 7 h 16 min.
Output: 11 h 54 min
